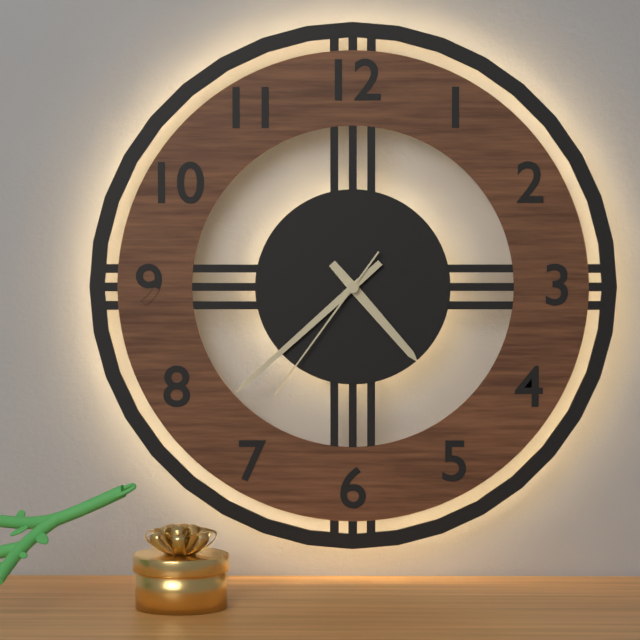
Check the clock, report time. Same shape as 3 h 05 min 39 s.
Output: 4 h 38 min 36 s
